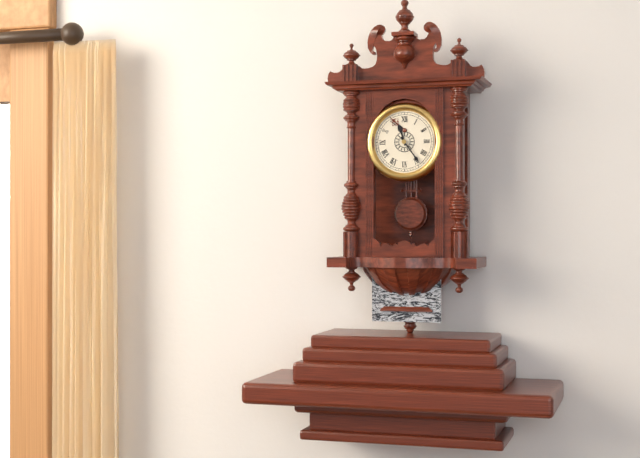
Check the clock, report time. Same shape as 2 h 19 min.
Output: 11 h 24 min
